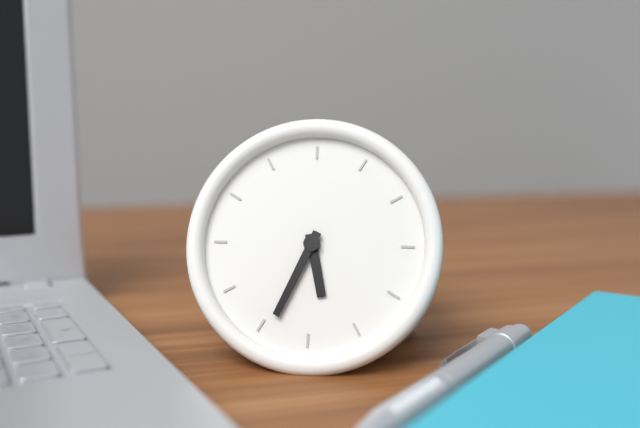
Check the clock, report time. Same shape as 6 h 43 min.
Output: 5 h 34 min
